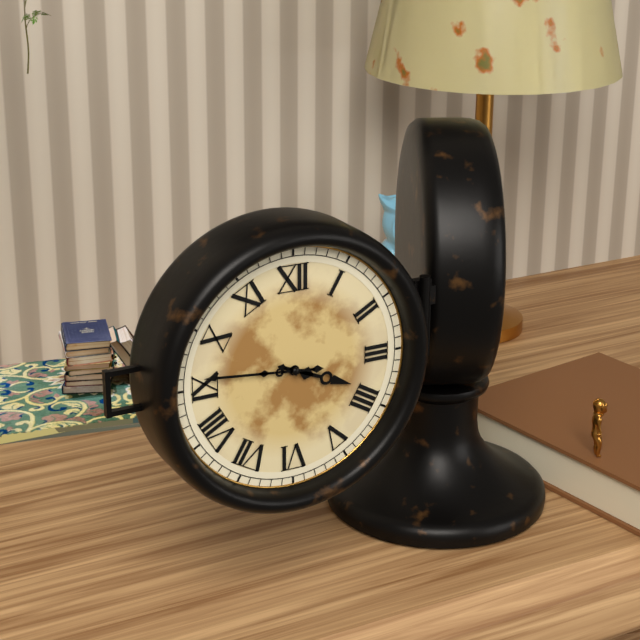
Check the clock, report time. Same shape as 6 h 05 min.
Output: 3 h 46 min
